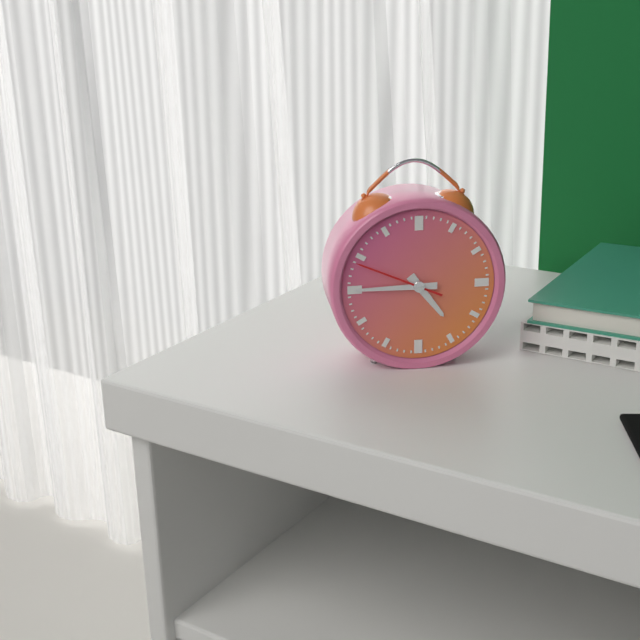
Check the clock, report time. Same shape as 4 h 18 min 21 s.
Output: 4 h 45 min 49 s
